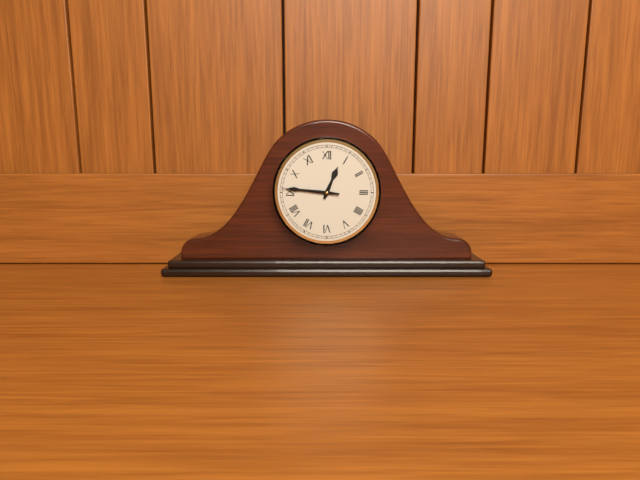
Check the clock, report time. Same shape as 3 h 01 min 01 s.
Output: 12 h 46 min 46 s
